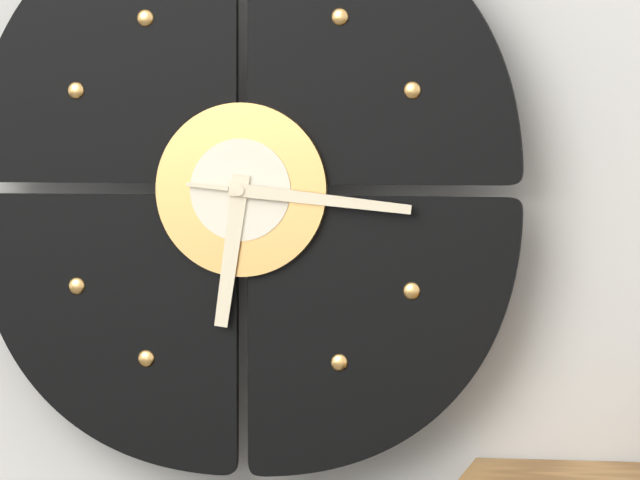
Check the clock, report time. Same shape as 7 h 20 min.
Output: 6 h 16 min
